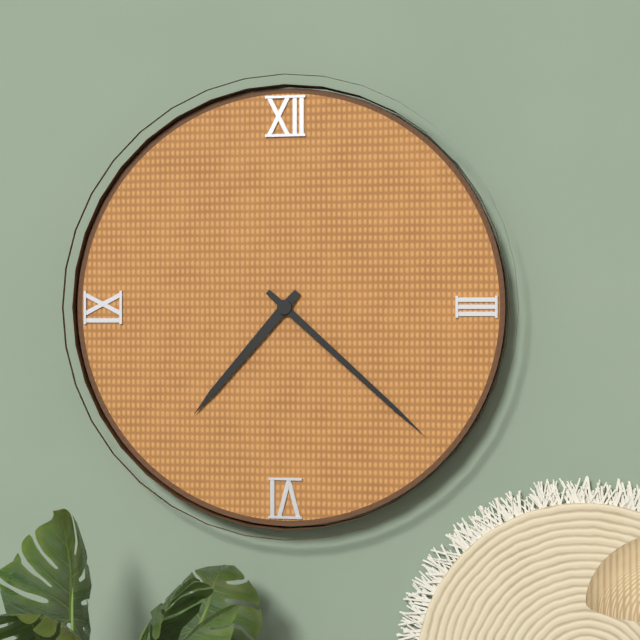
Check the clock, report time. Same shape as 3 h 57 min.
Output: 7 h 22 min
